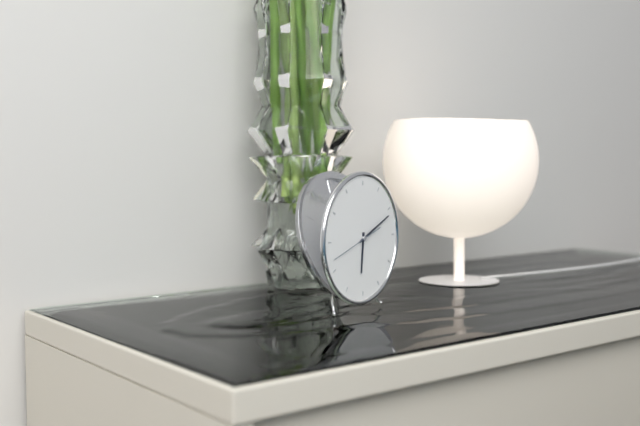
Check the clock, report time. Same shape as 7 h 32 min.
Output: 6 h 11 min
